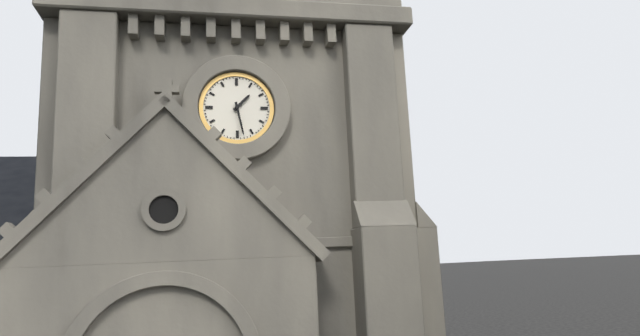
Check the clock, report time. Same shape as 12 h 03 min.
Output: 1 h 28 min
